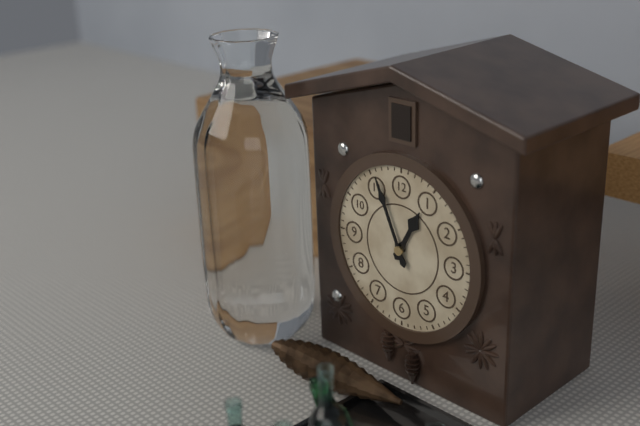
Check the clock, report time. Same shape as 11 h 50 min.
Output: 12 h 56 min
